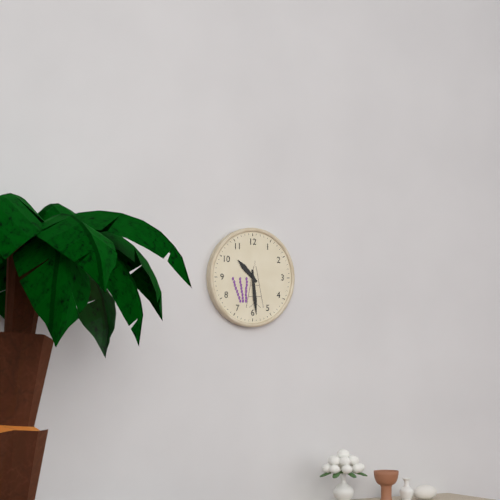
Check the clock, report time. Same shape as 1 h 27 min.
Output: 10 h 29 min
